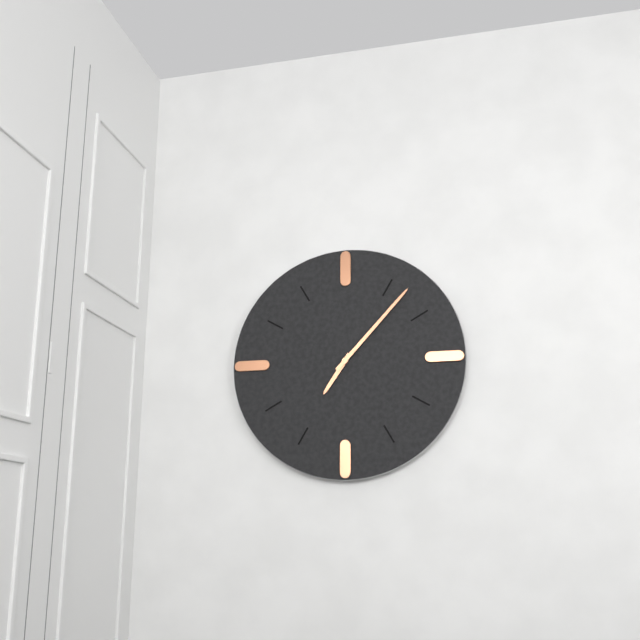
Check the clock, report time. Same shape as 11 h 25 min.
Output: 7 h 07 min
